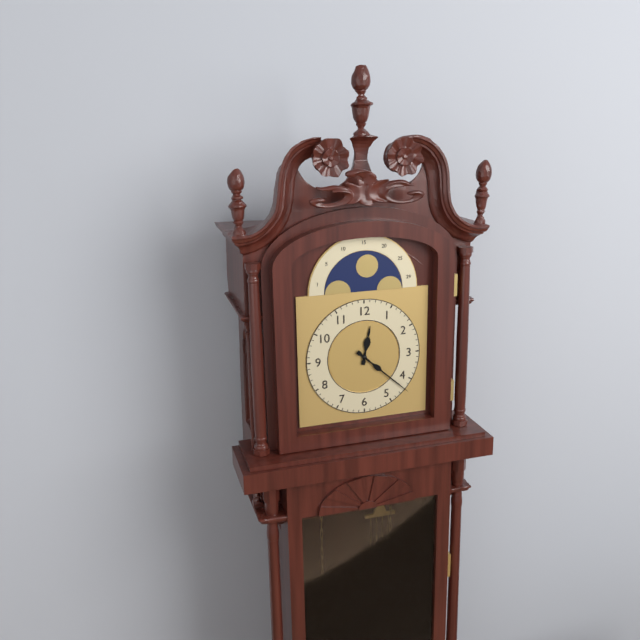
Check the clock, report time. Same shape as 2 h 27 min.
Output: 12 h 22 min
